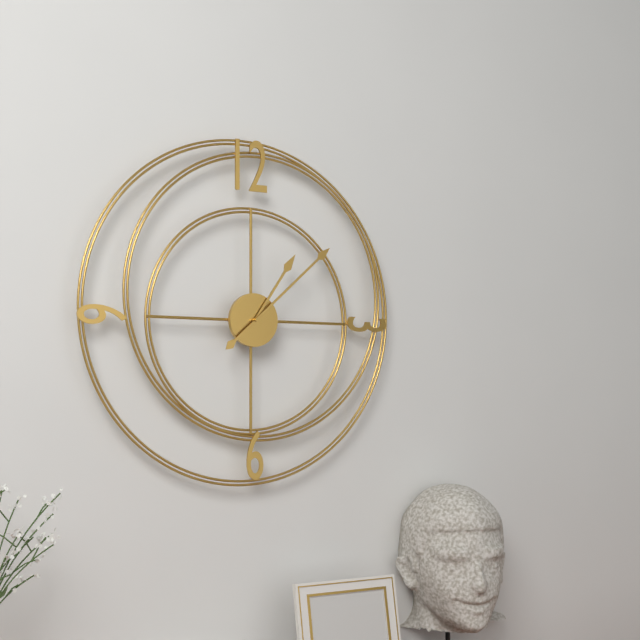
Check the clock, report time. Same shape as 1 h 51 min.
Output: 1 h 08 min
